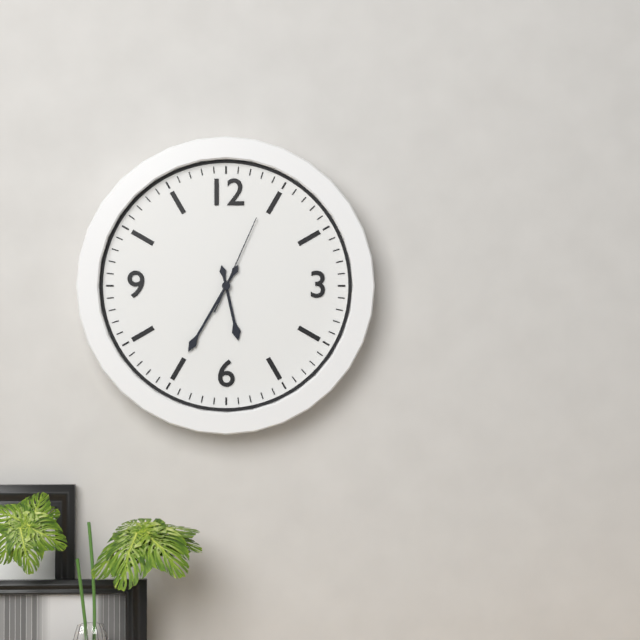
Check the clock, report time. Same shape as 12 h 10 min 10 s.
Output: 5 h 35 min 04 s
